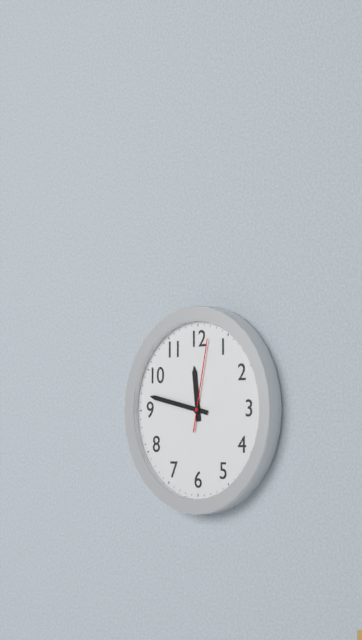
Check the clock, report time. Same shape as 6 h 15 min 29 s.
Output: 11 h 47 min 02 s
